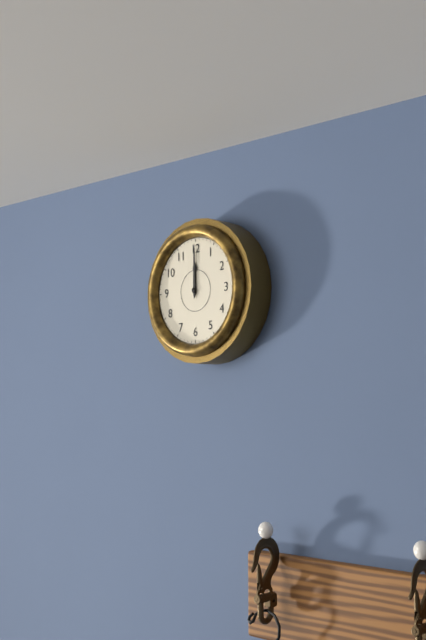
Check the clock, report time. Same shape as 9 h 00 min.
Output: 12 h 00 min
